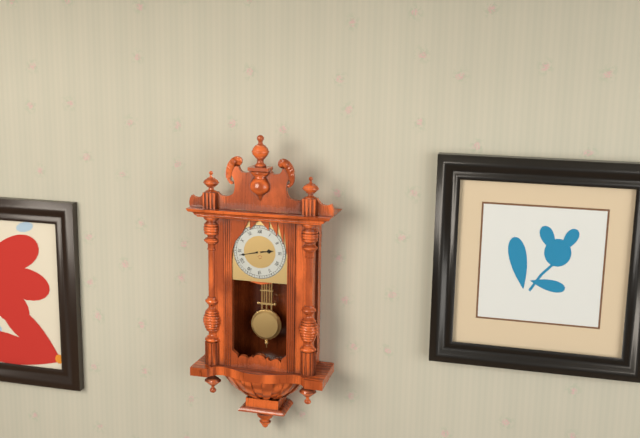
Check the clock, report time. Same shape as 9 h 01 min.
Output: 2 h 43 min
